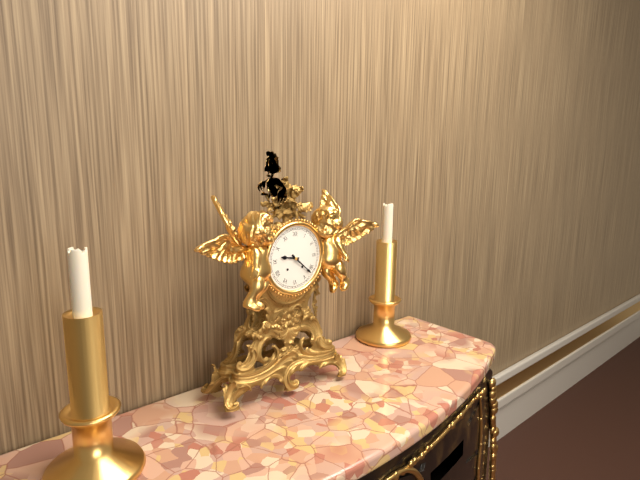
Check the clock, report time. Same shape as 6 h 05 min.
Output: 9 h 22 min
